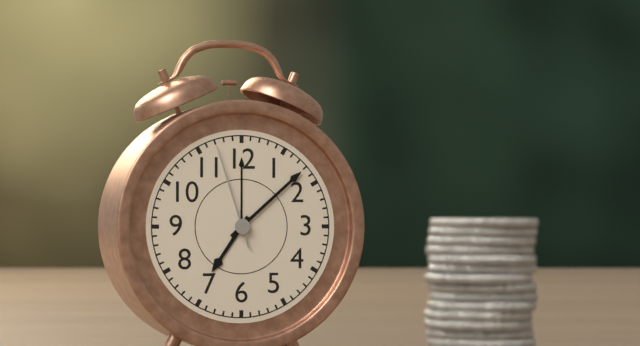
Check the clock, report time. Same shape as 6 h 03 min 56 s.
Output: 7 h 08 min 57 s
